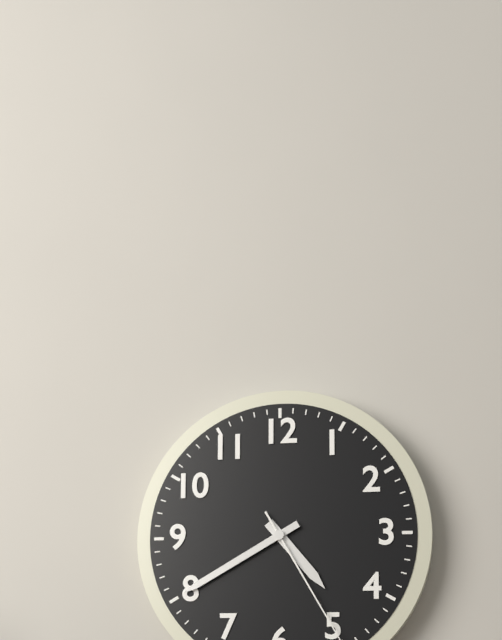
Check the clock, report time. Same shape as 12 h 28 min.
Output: 4 h 40 min
